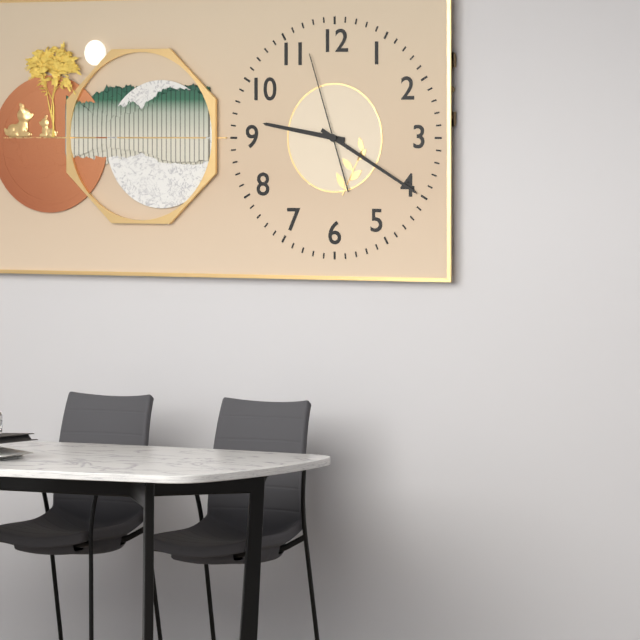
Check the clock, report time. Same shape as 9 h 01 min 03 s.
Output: 9 h 20 min 57 s
